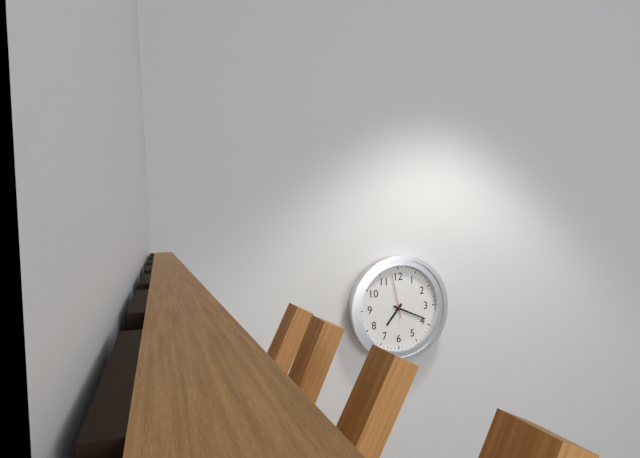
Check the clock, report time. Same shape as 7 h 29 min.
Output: 7 h 19 min
